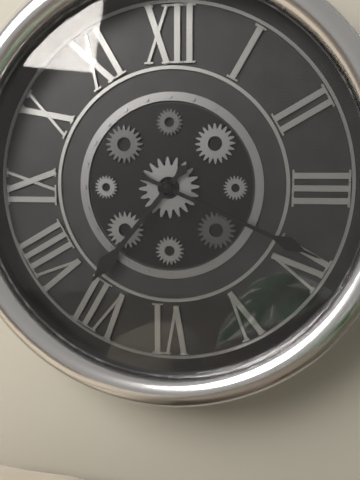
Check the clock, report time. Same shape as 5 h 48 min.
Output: 7 h 19 min
